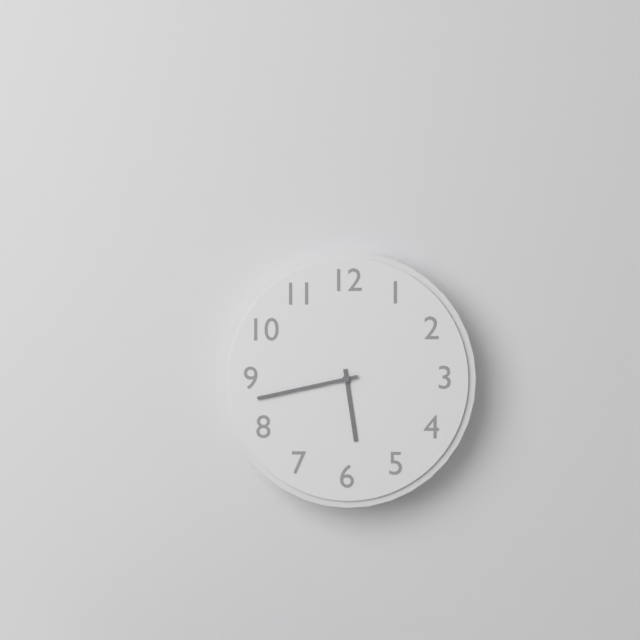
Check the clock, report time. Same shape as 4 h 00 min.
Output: 5 h 43 min
